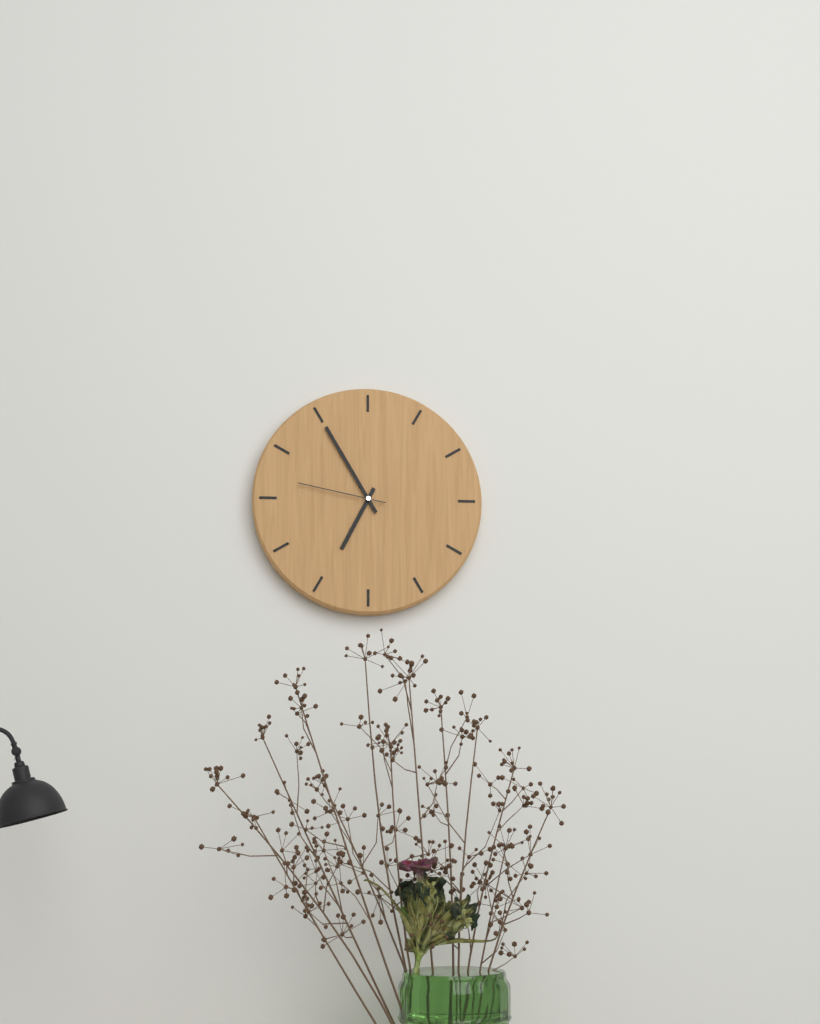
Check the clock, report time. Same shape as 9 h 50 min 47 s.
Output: 6 h 55 min 47 s
